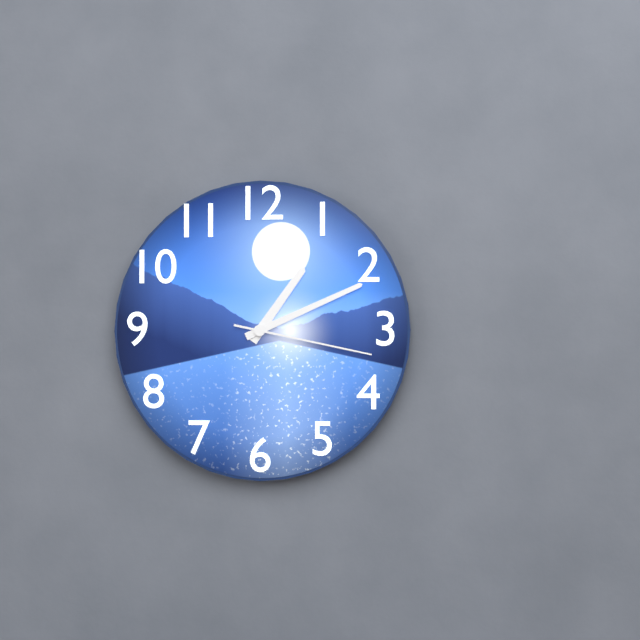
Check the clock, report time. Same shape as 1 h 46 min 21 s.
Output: 1 h 11 min 17 s
